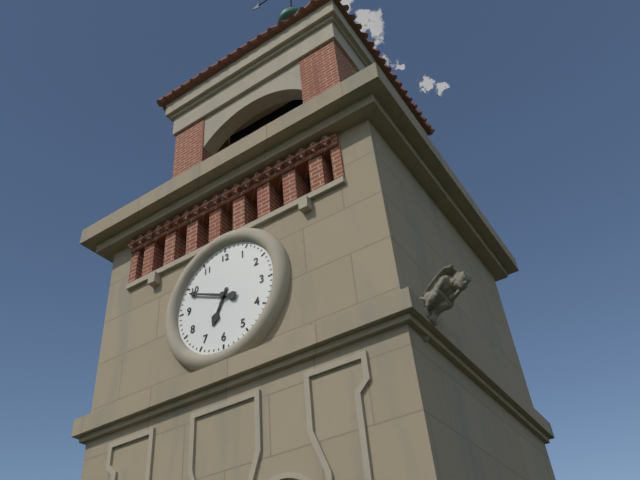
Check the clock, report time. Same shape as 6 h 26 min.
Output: 6 h 49 min
